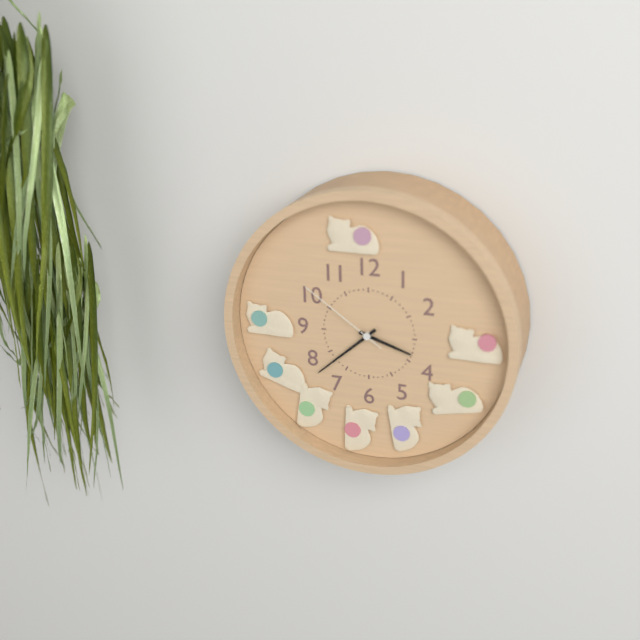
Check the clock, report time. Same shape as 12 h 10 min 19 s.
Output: 3 h 38 min 51 s
